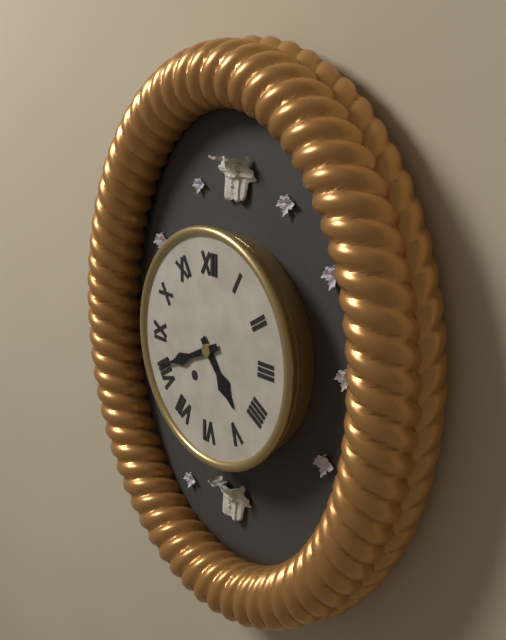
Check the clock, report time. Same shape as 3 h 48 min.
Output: 4 h 41 min
